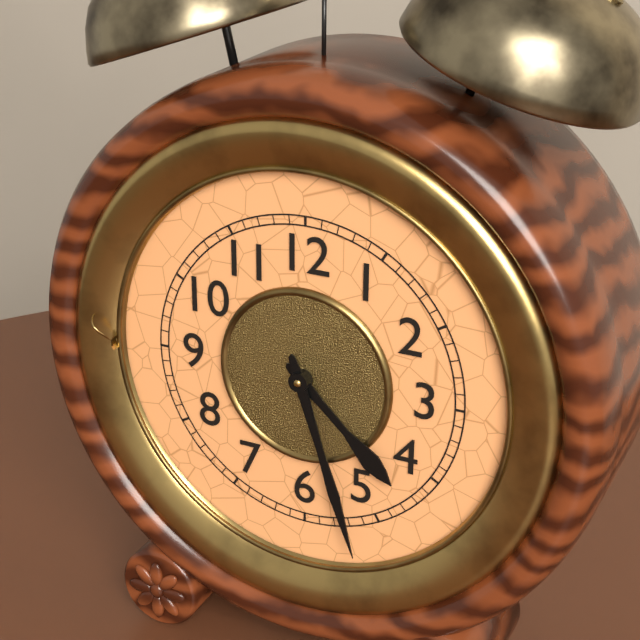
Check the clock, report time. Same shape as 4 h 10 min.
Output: 4 h 27 min
